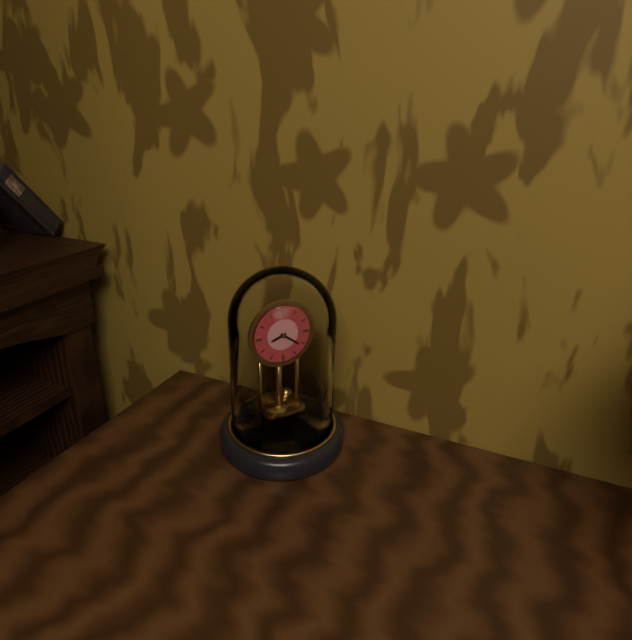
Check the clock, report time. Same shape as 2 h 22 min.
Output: 8 h 21 min
